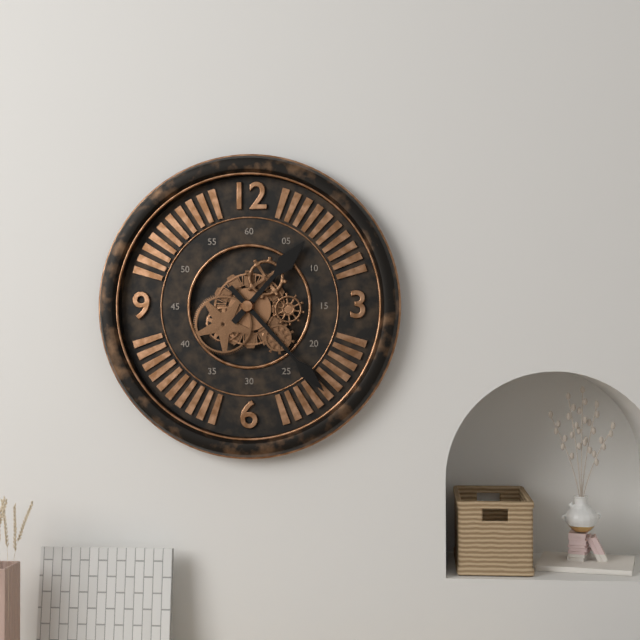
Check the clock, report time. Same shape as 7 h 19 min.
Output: 1 h 23 min
